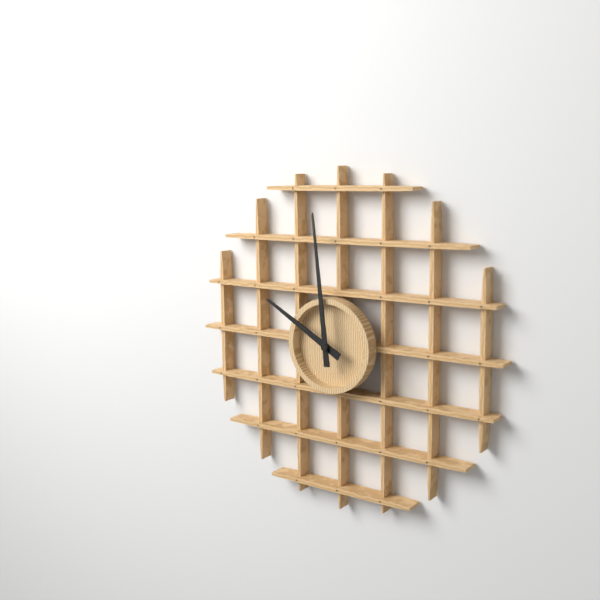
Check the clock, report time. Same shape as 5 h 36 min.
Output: 9 h 59 min
